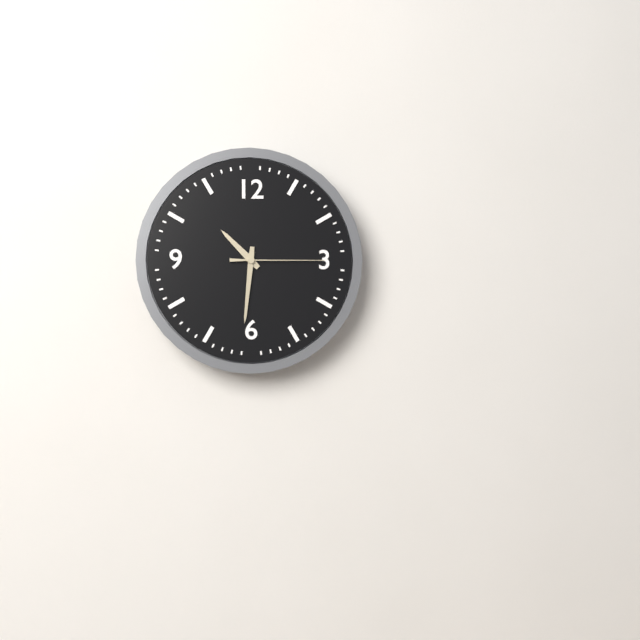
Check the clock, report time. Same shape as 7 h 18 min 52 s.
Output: 10 h 31 min 15 s
